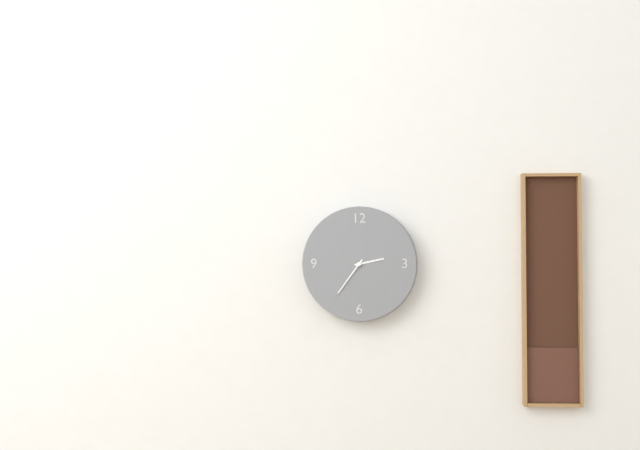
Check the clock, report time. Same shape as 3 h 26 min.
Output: 2 h 36 min
